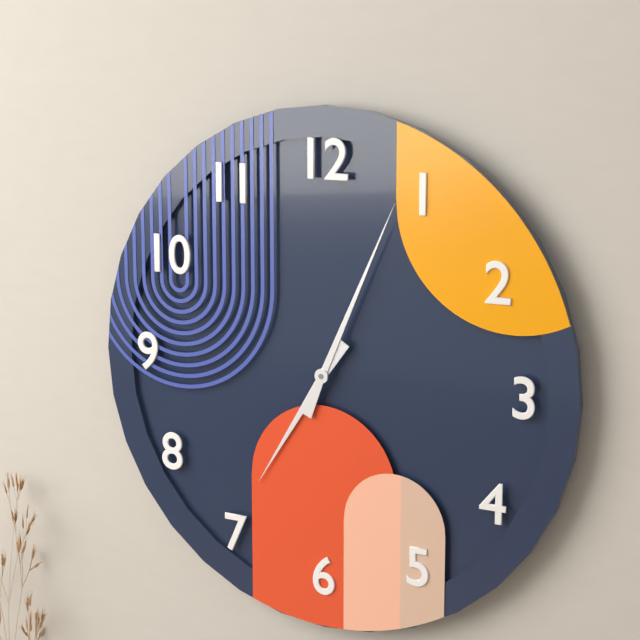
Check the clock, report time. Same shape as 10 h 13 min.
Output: 7 h 04 min
